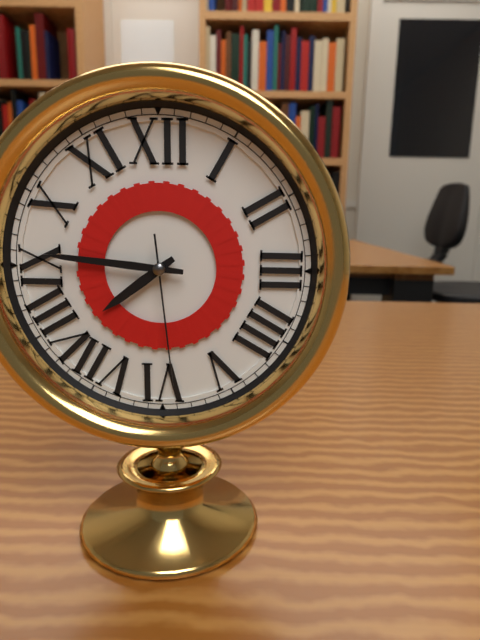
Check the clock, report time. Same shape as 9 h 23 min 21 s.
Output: 7 h 46 min 29 s
